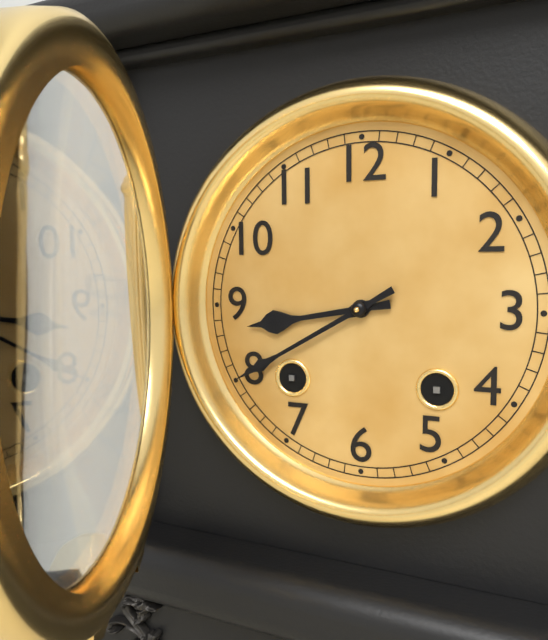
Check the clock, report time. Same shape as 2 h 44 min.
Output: 8 h 40 min
